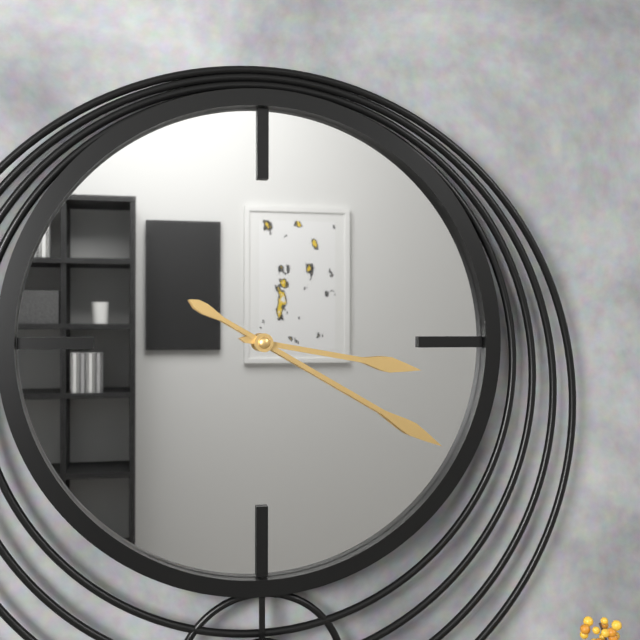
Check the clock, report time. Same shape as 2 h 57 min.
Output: 3 h 20 min
